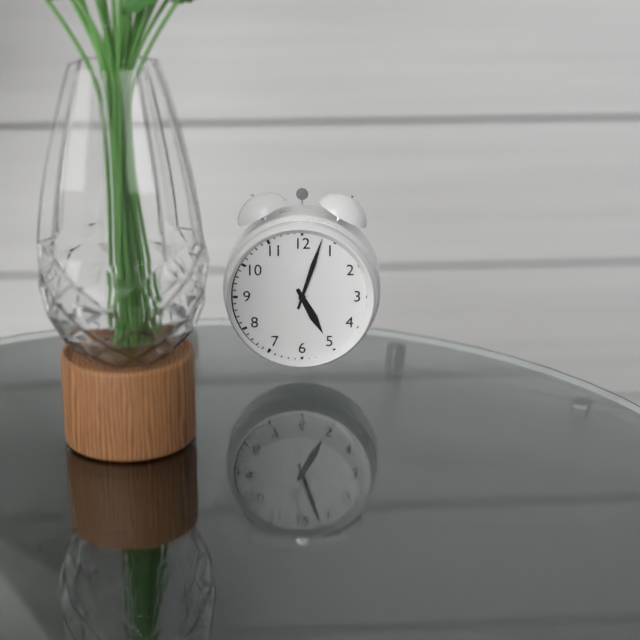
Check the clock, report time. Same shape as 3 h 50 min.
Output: 5 h 03 min
